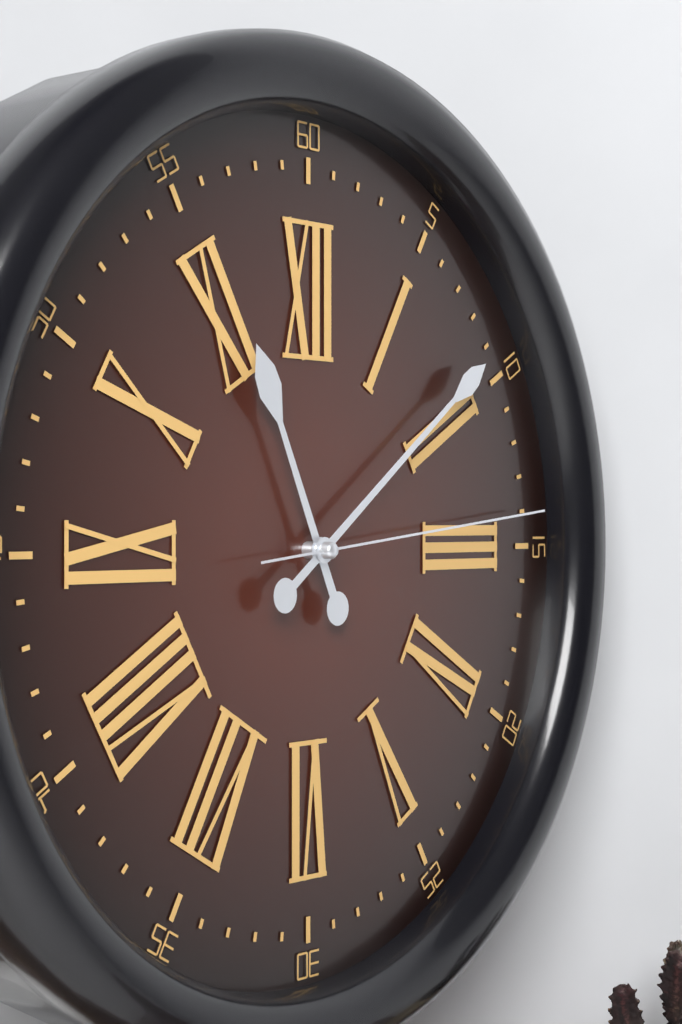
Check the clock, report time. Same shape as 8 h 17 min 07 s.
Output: 11 h 09 min 14 s
